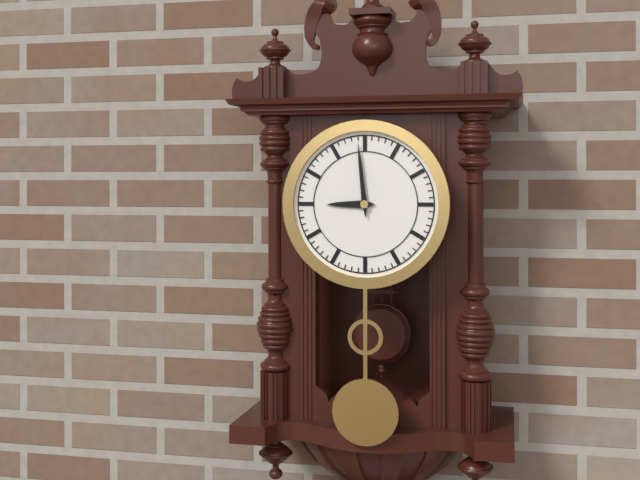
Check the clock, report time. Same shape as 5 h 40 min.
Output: 8 h 59 min
